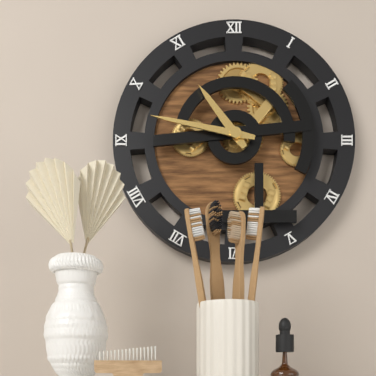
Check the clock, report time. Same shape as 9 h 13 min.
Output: 10 h 47 min
